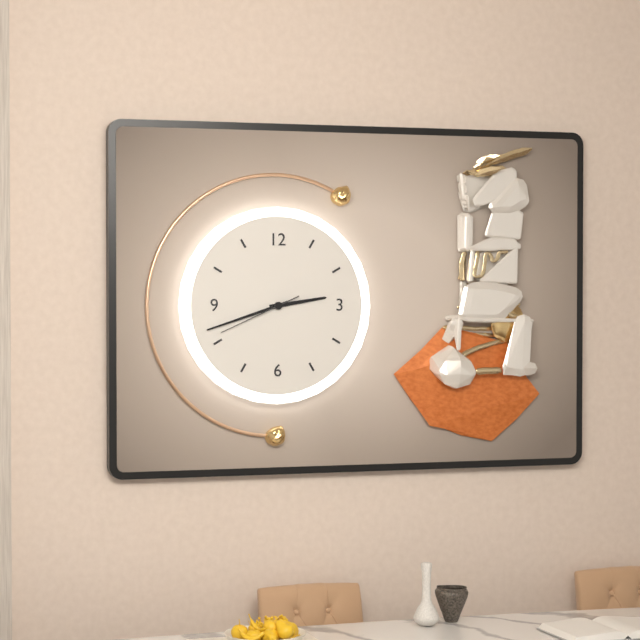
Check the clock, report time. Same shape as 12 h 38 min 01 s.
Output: 2 h 42 min 41 s
